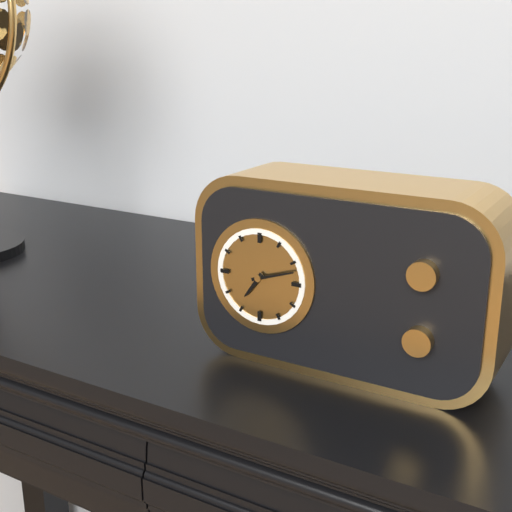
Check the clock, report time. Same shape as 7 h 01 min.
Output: 7 h 12 min
